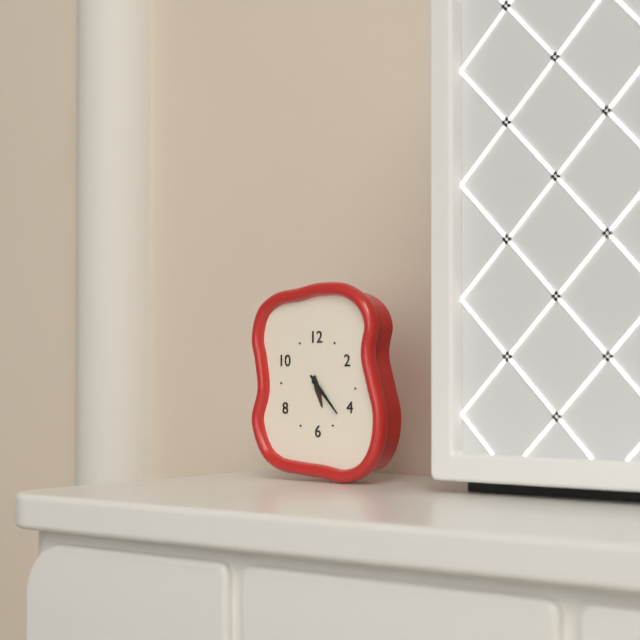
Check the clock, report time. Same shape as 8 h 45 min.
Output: 5 h 23 min
